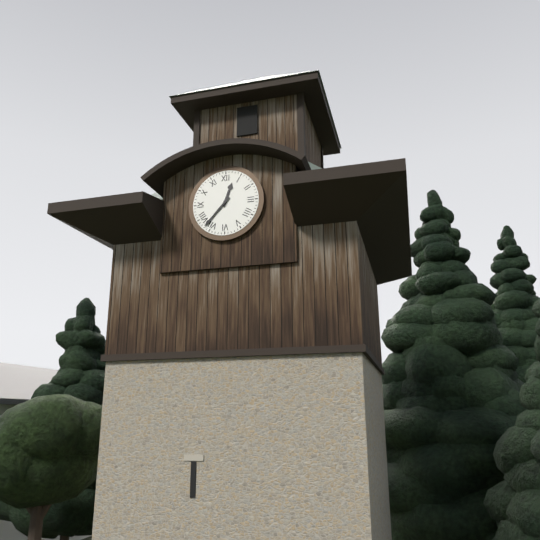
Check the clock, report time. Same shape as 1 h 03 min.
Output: 12 h 37 min
